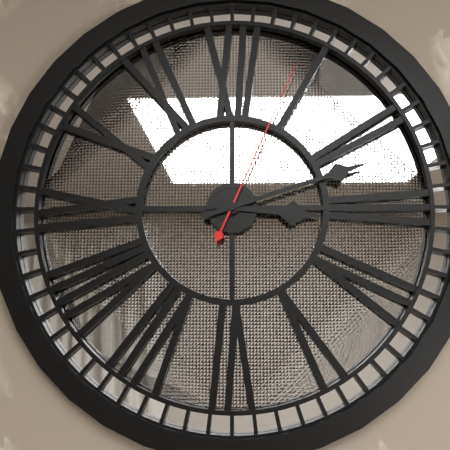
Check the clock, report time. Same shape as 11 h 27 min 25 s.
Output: 3 h 12 min 04 s
